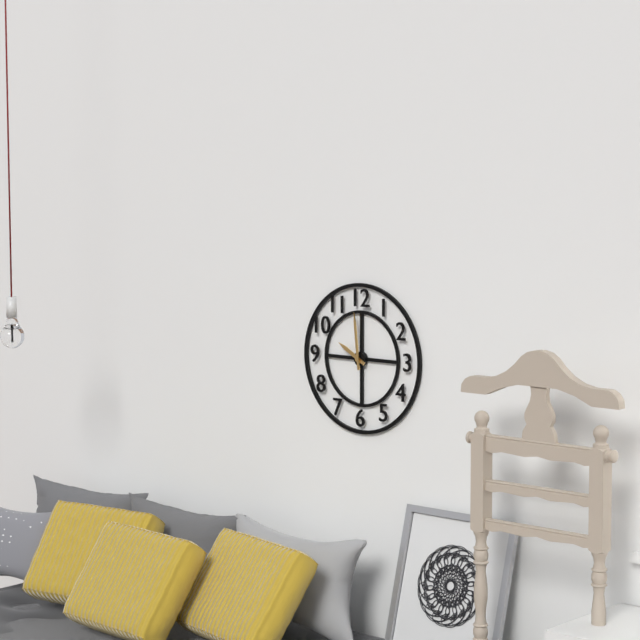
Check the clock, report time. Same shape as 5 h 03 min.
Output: 9 h 59 min
